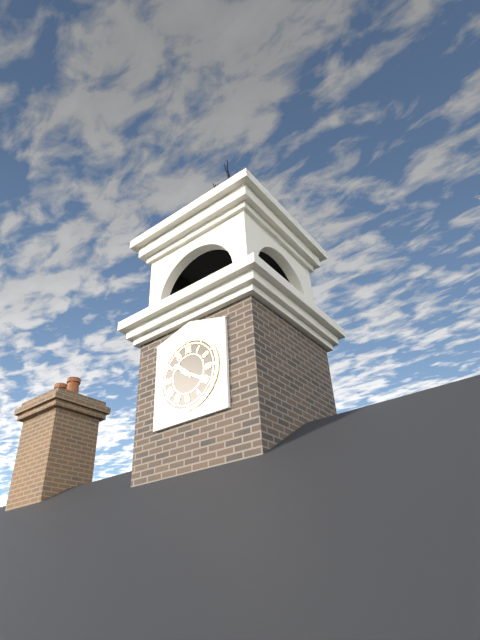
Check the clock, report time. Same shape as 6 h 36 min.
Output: 10 h 20 min
